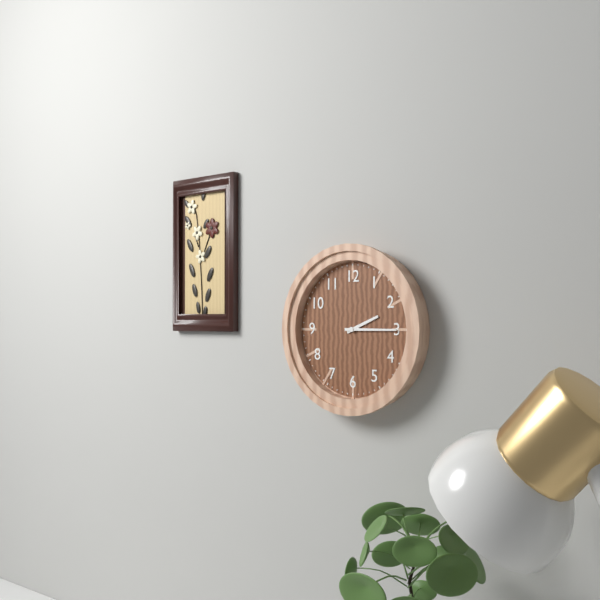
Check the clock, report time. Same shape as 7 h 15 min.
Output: 2 h 15 min
